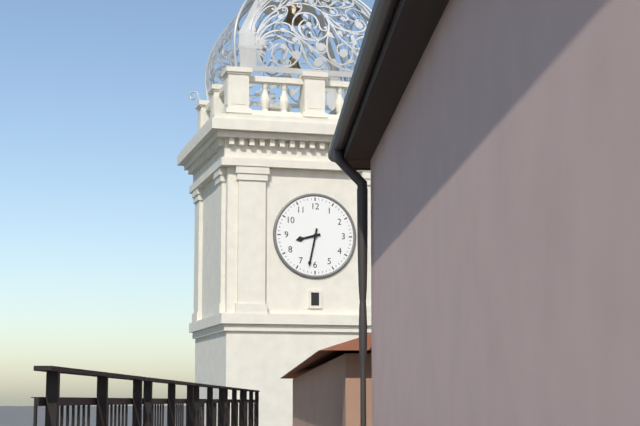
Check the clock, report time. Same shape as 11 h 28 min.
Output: 8 h 32 min
